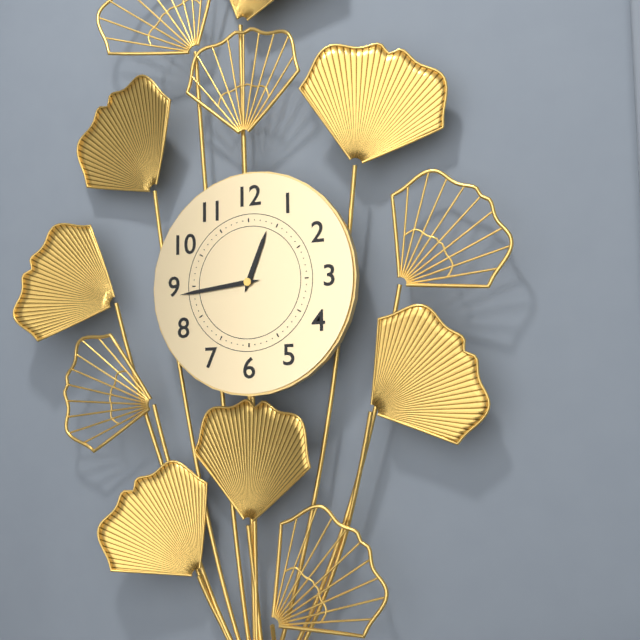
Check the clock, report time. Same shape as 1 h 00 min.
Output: 12 h 44 min
